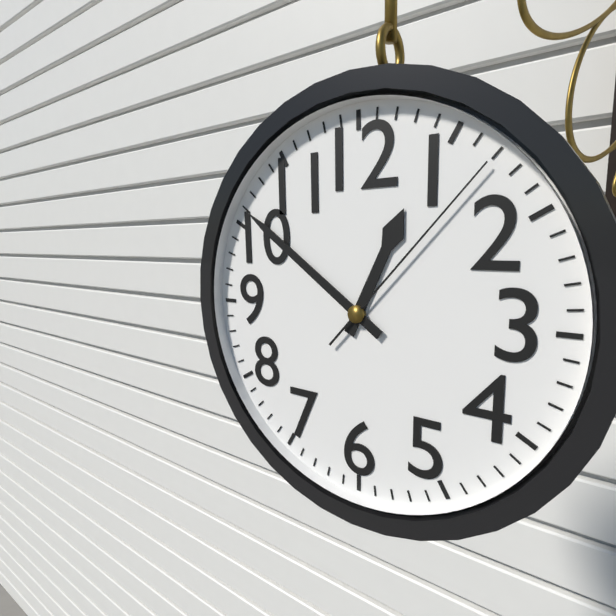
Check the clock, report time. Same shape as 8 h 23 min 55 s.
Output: 12 h 51 min 07 s
